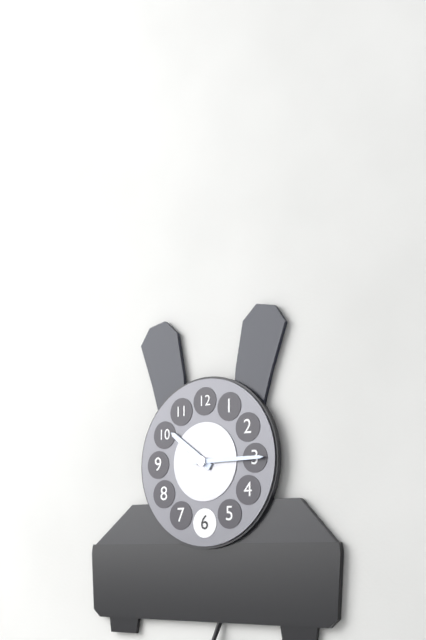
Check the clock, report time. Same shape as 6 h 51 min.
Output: 10 h 15 min
